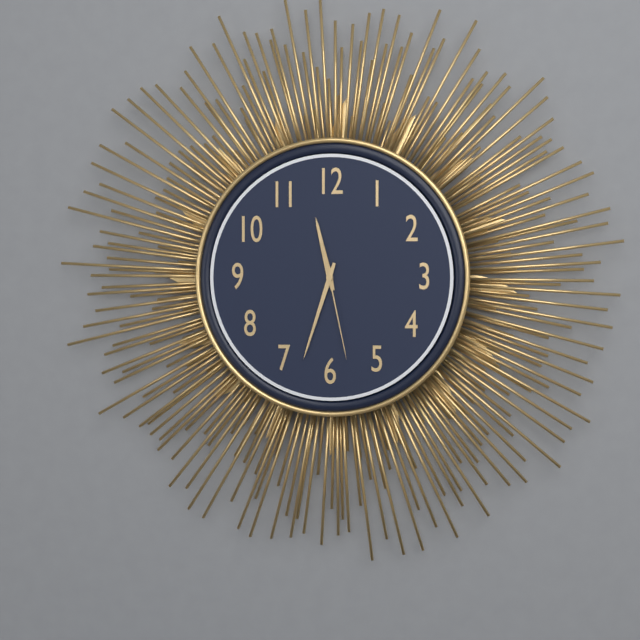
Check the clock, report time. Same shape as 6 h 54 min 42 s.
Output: 11 h 33 min 28 s
